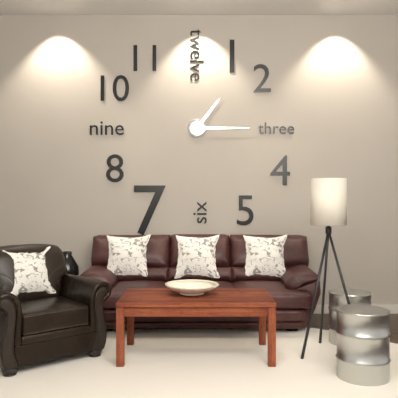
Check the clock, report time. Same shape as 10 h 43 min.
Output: 1 h 15 min
